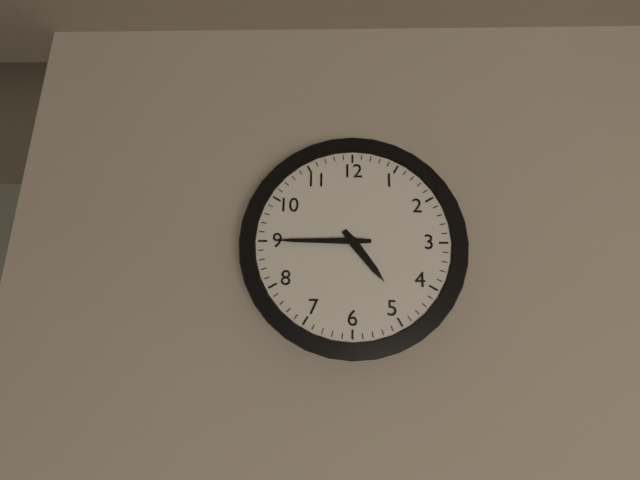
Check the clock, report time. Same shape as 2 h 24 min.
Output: 4 h 45 min
